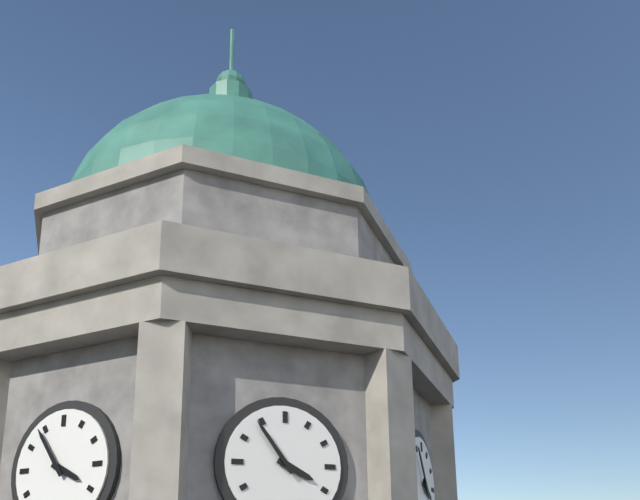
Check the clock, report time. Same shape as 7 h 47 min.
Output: 3 h 54 min
